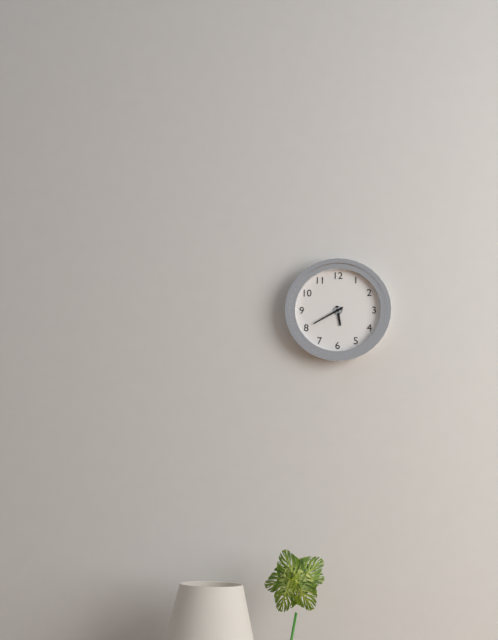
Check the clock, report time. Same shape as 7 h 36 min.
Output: 5 h 40 min
